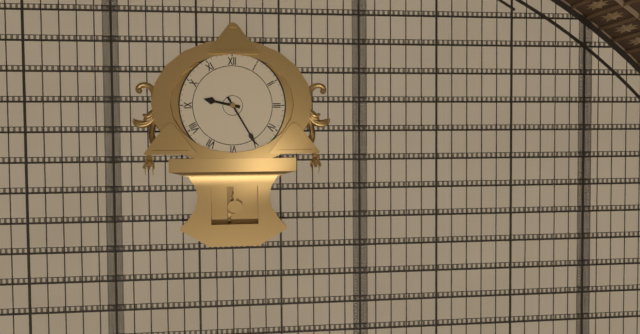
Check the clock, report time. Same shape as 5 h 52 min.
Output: 9 h 25 min
